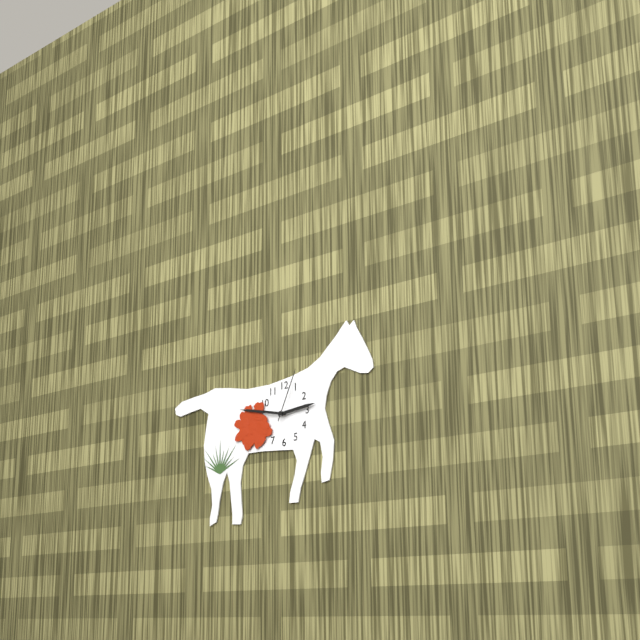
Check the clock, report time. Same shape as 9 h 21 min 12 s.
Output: 2 h 47 min 04 s
